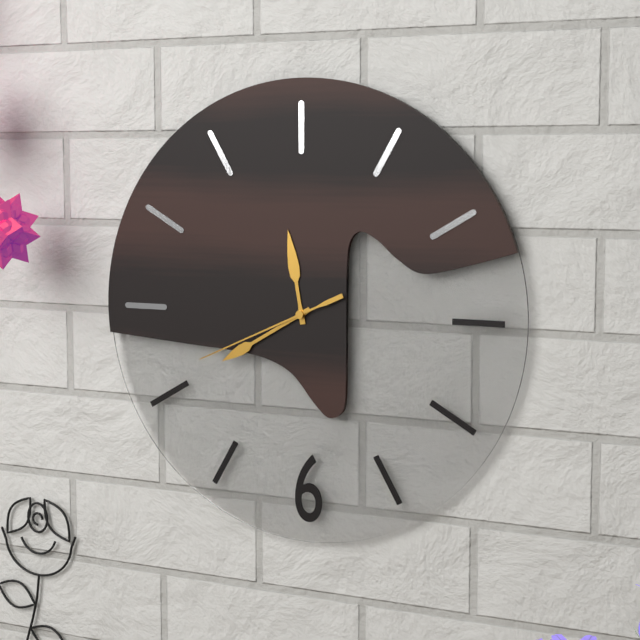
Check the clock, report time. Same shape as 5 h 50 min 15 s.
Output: 11 h 40 min 41 s
